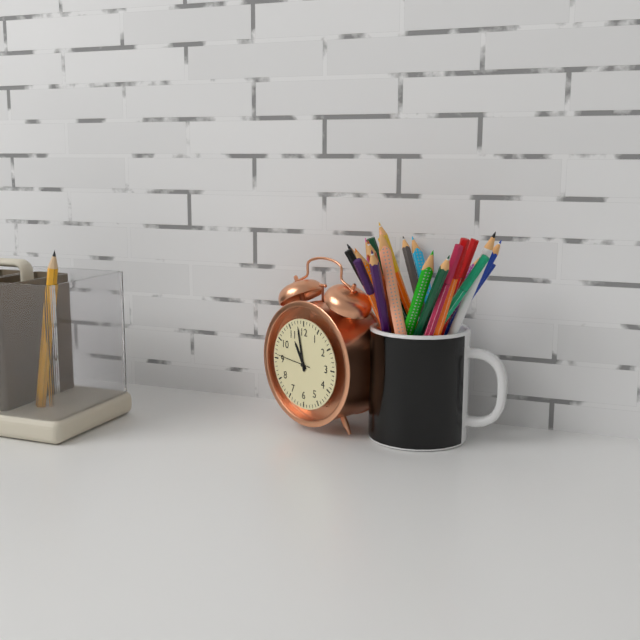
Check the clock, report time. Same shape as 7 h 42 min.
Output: 10 h 58 min
